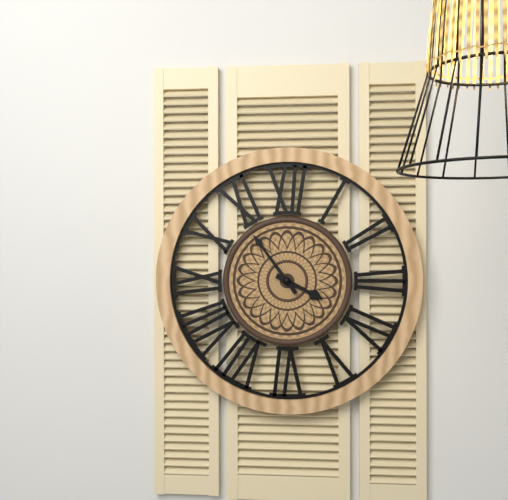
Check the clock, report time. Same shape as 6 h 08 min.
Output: 3 h 54 min
